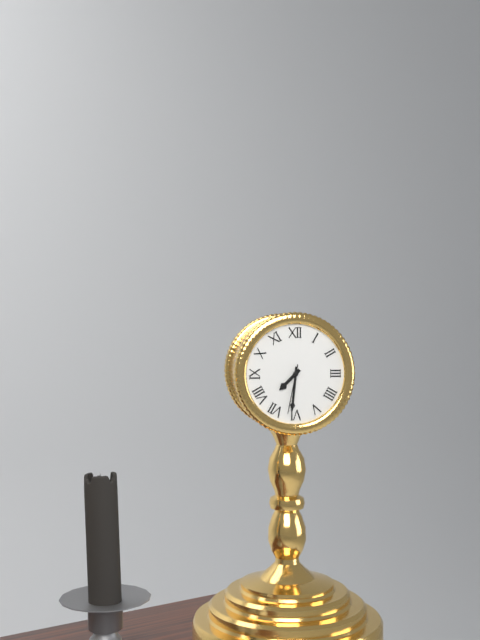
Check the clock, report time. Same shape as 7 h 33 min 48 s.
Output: 7 h 31 min 32 s
